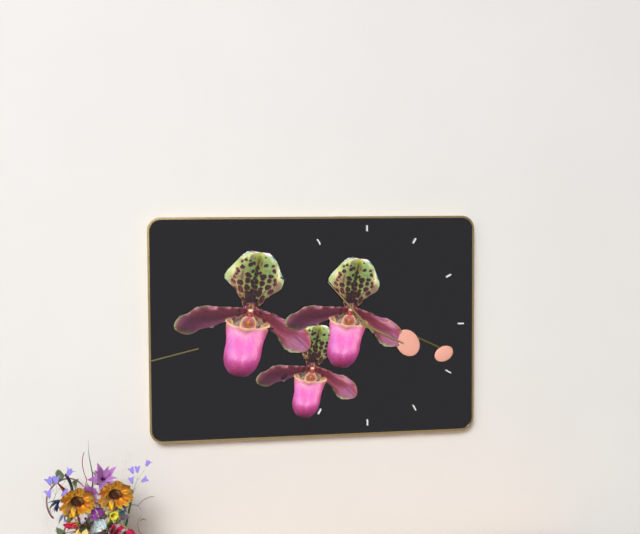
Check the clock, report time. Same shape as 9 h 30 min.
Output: 3 h 53 min
